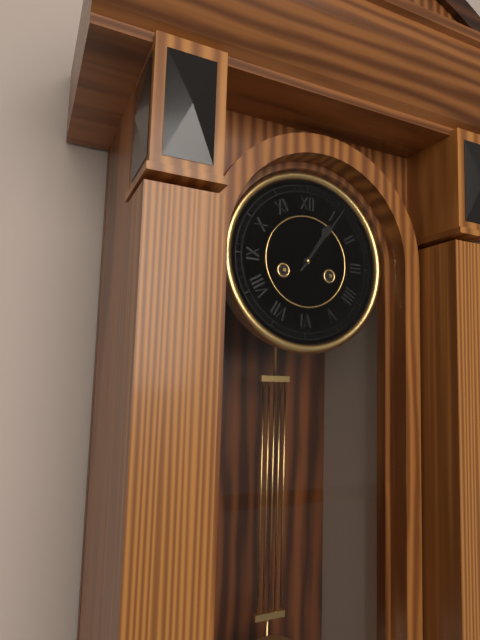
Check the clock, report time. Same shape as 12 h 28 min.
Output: 1 h 06 min
